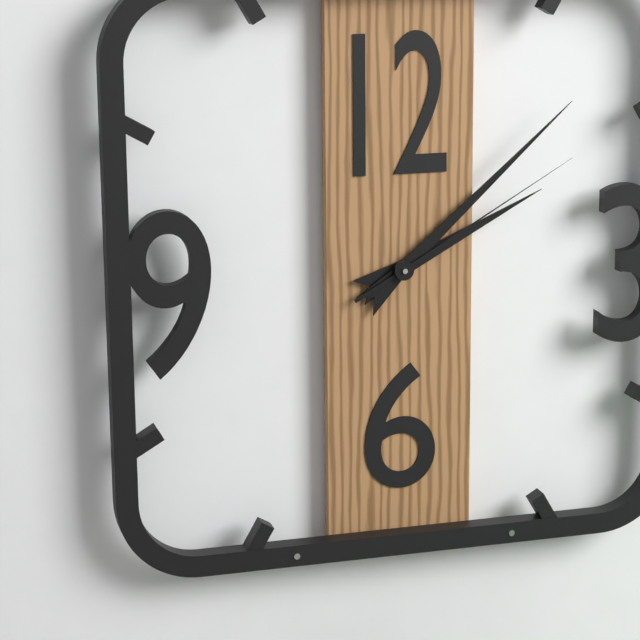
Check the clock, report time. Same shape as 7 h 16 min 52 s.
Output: 2 h 08 min 10 s
